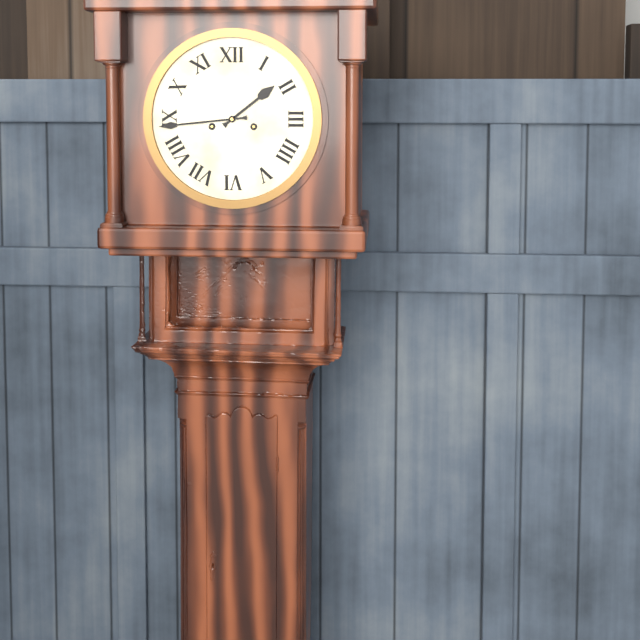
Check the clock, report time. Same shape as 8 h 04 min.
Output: 1 h 44 min
